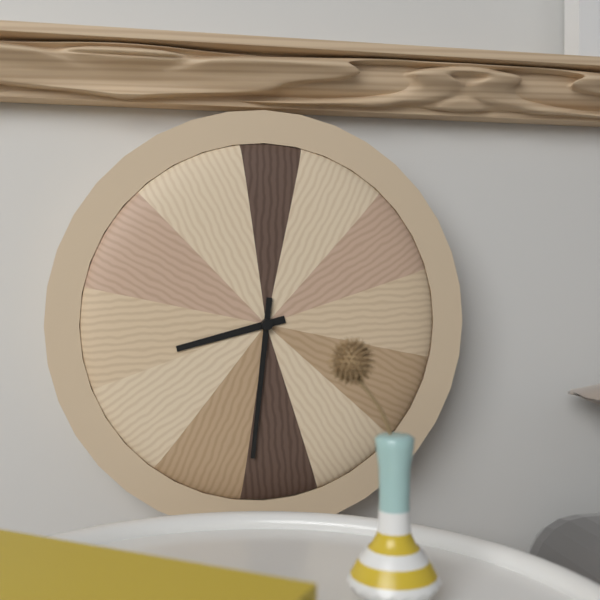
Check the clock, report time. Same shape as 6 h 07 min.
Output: 8 h 31 min
